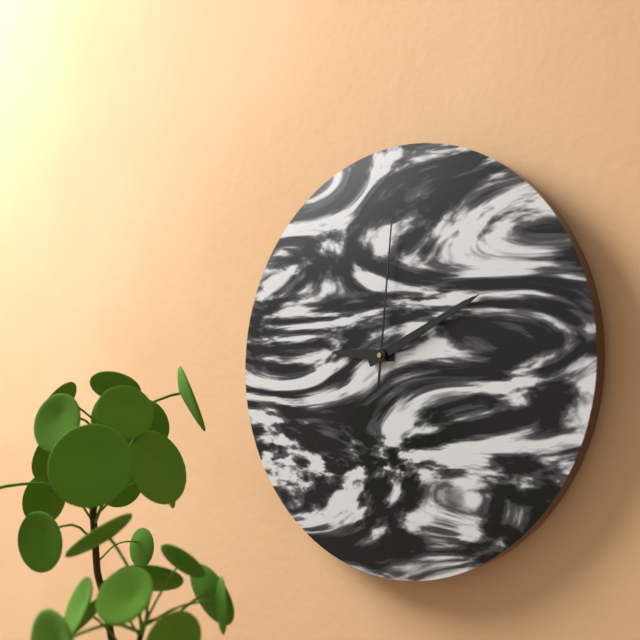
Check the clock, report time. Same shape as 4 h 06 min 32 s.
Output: 9 h 11 min 01 s
